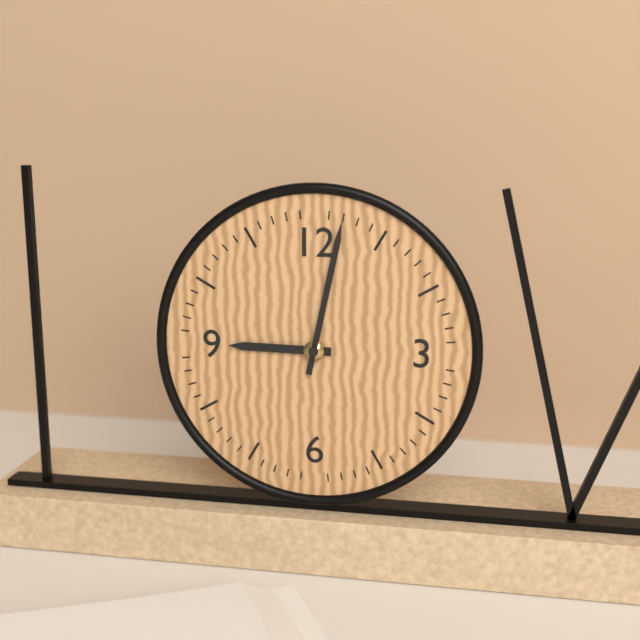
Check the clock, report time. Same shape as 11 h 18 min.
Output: 9 h 02 min
